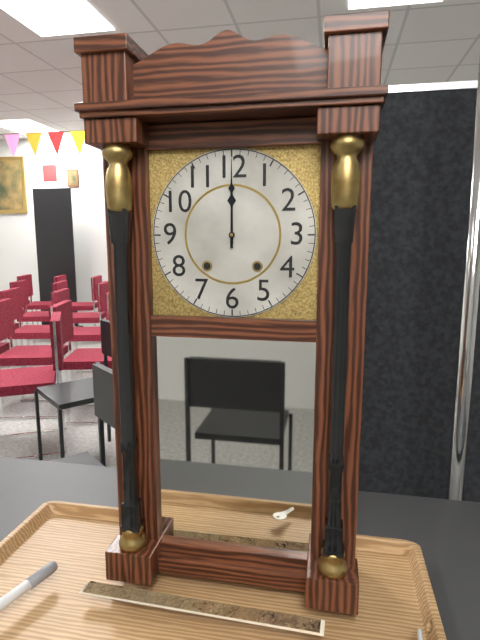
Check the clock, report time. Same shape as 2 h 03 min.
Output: 12 h 00 min
